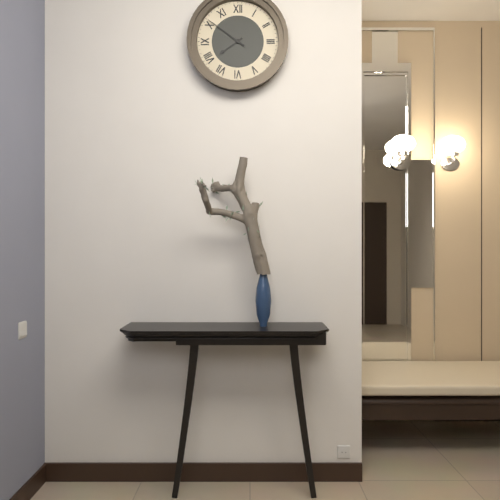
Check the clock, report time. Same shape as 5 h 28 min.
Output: 7 h 51 min
